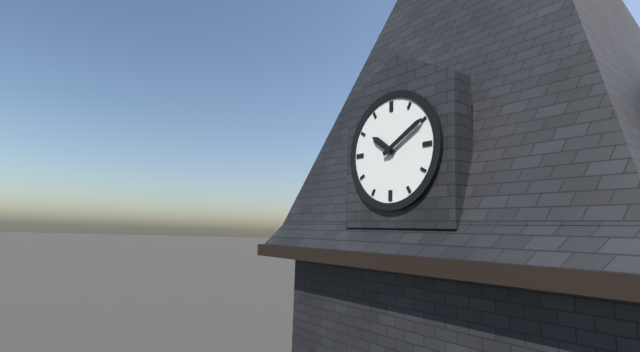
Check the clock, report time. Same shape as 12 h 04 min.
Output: 10 h 10 min
